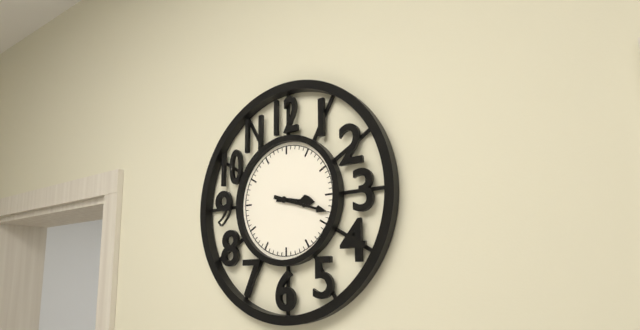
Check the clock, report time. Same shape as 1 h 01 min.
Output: 3 h 18 min
